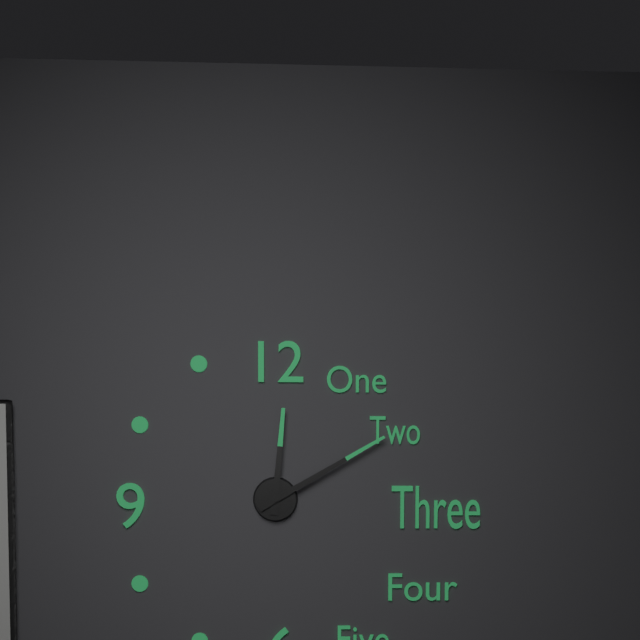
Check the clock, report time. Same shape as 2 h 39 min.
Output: 12 h 10 min
